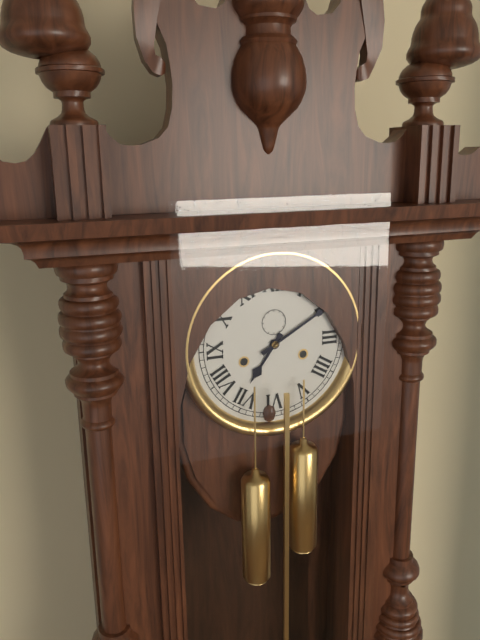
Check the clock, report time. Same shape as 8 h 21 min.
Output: 7 h 10 min
